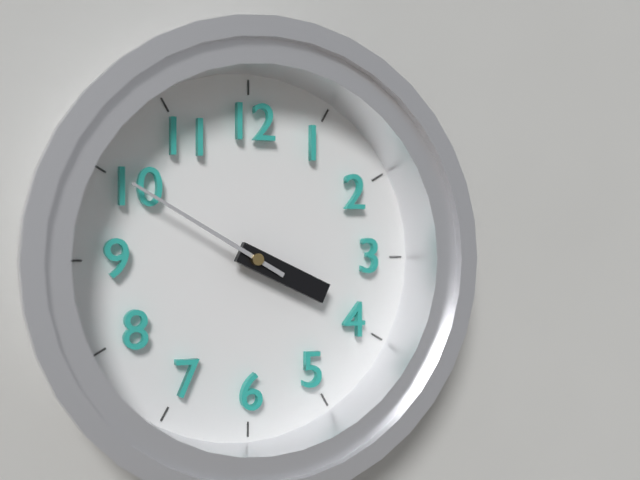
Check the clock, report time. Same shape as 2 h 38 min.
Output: 3 h 50 min
